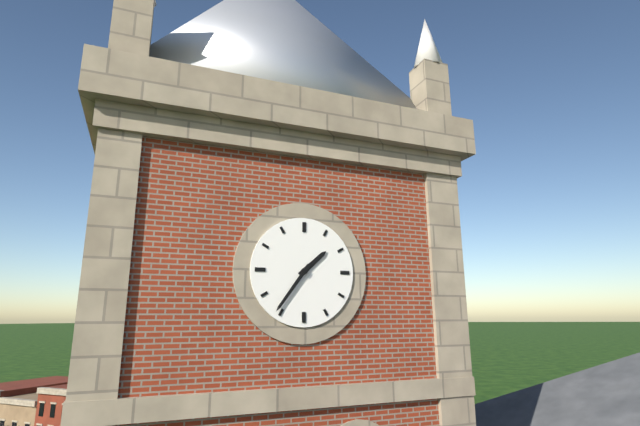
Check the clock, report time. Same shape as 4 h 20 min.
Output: 1 h 36 min
